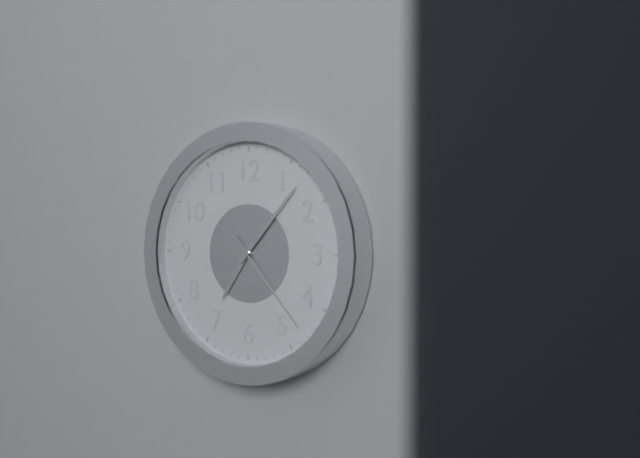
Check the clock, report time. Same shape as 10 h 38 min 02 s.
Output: 7 h 07 min 23 s
